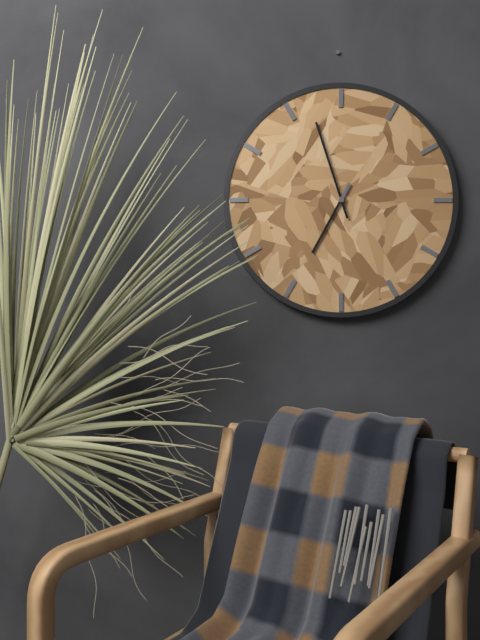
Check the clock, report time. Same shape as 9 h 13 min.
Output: 6 h 57 min
